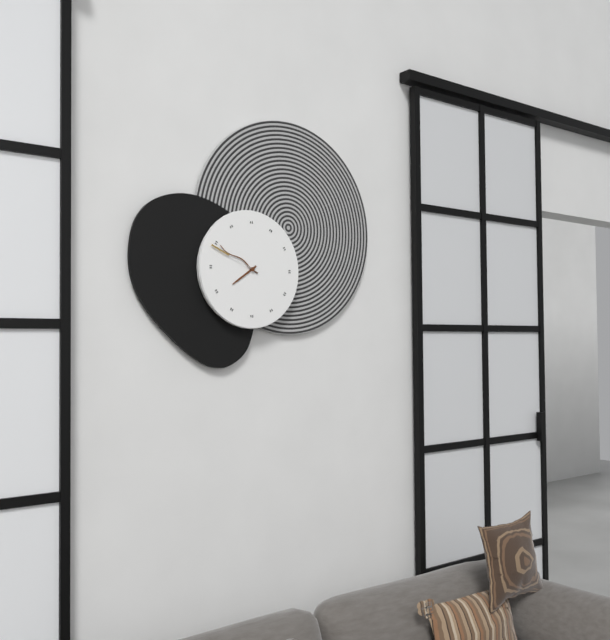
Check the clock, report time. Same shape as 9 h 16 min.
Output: 7 h 50 min
